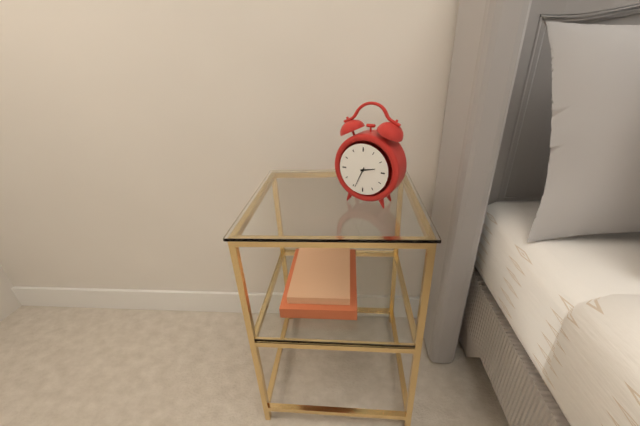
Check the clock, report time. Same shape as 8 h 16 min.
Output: 2 h 34 min
